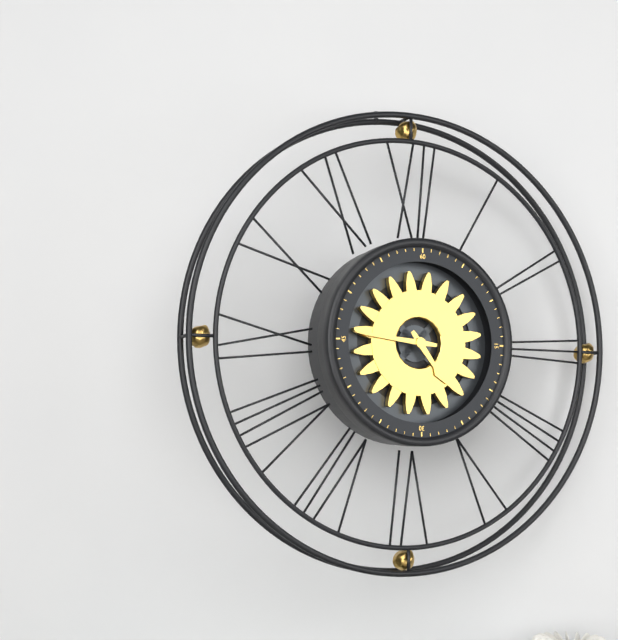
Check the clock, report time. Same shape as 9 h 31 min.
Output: 4 h 46 min
